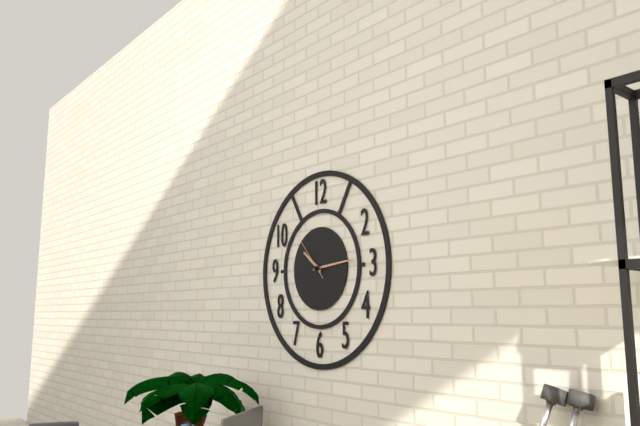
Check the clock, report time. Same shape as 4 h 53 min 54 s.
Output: 10 h 14 min 53 s
